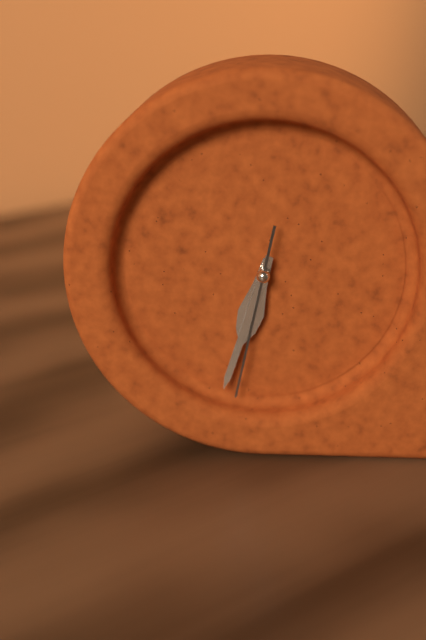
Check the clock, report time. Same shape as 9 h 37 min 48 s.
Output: 6 h 33 min 32 s
